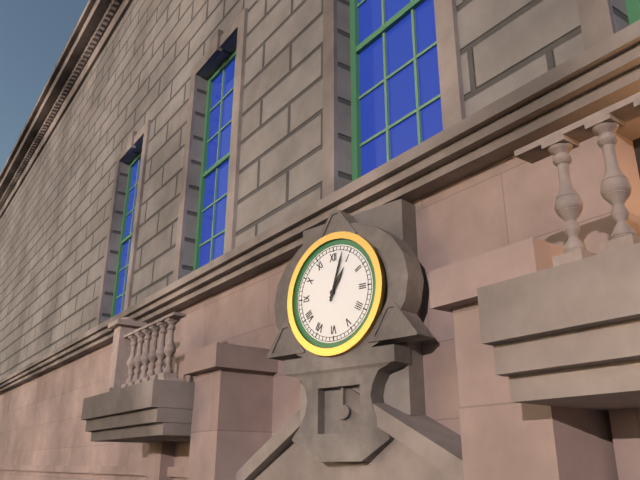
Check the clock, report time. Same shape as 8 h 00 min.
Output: 1 h 03 min
